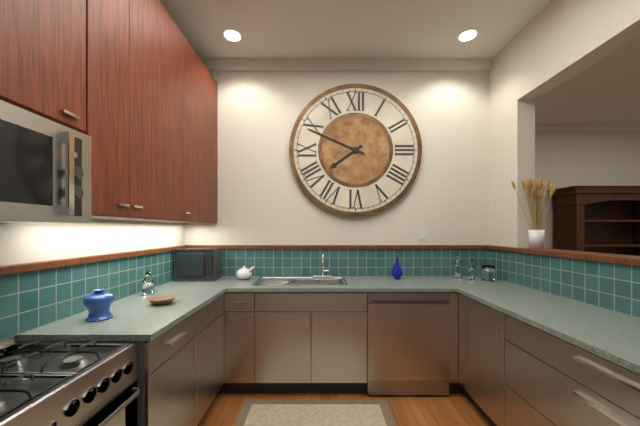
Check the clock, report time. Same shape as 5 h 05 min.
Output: 7 h 49 min
